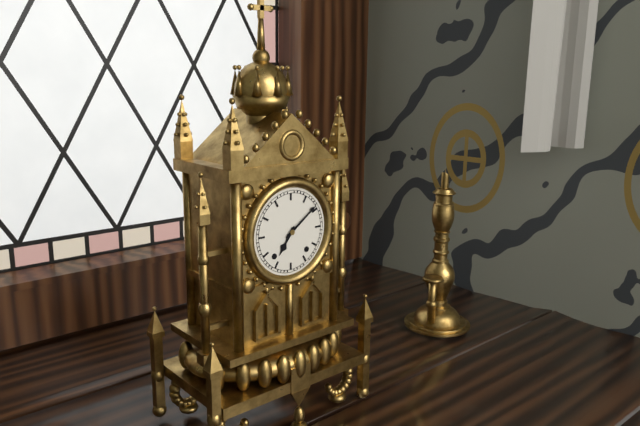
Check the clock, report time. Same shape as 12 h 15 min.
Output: 7 h 09 min
